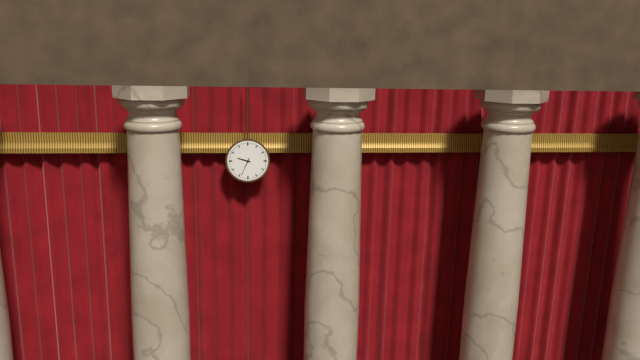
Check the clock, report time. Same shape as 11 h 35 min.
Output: 9 h 34 min
